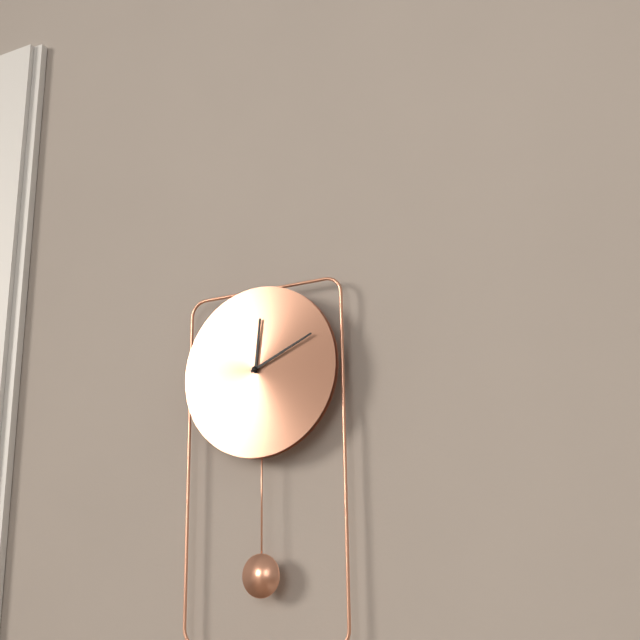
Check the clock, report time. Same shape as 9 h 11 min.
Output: 12 h 11 min
